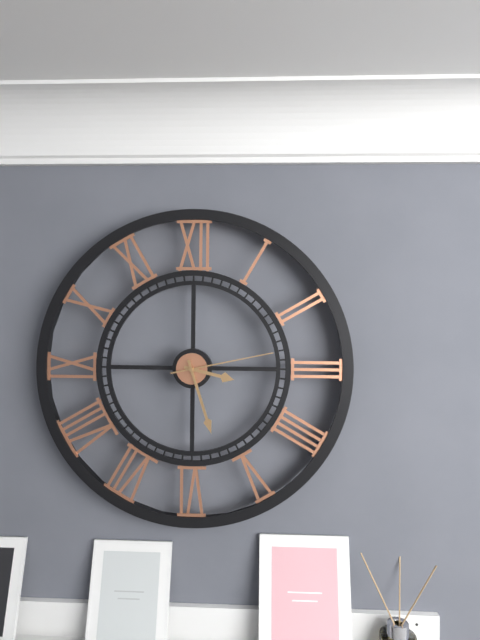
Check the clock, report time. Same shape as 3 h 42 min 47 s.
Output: 3 h 27 min 13 s
